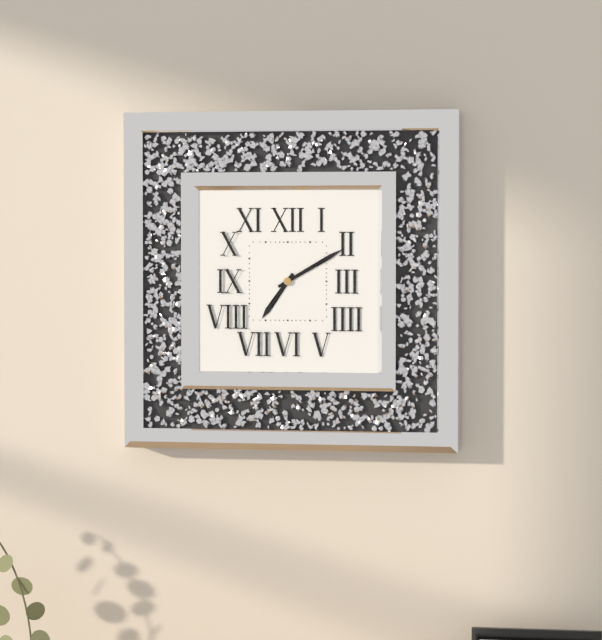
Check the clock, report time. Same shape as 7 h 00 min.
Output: 7 h 10 min
